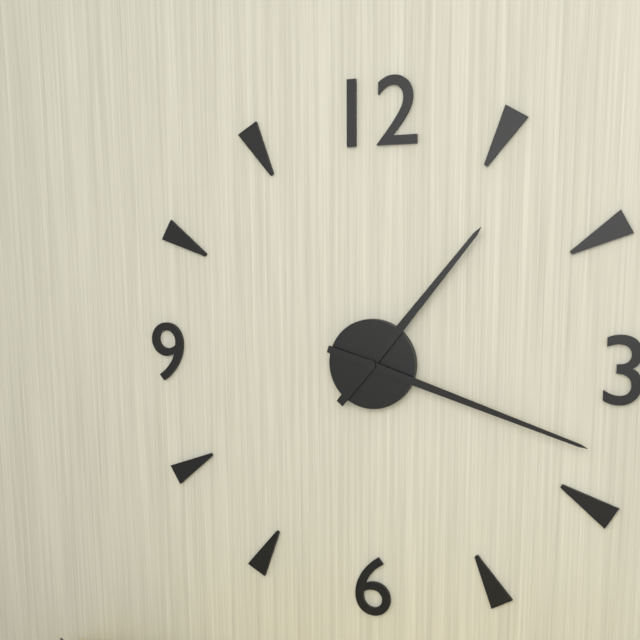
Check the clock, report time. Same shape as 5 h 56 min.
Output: 1 h 18 min
